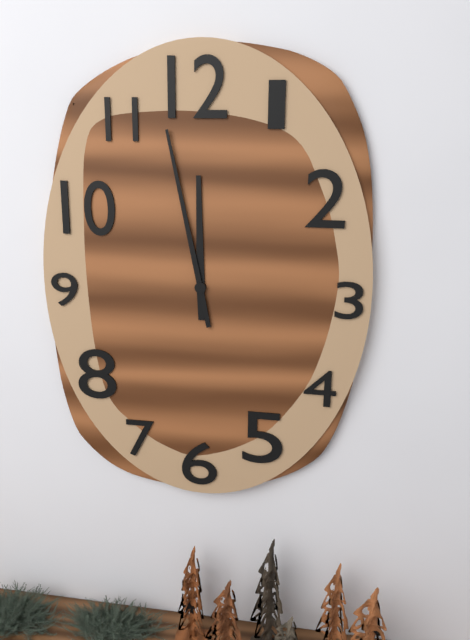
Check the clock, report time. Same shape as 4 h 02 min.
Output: 11 h 58 min
